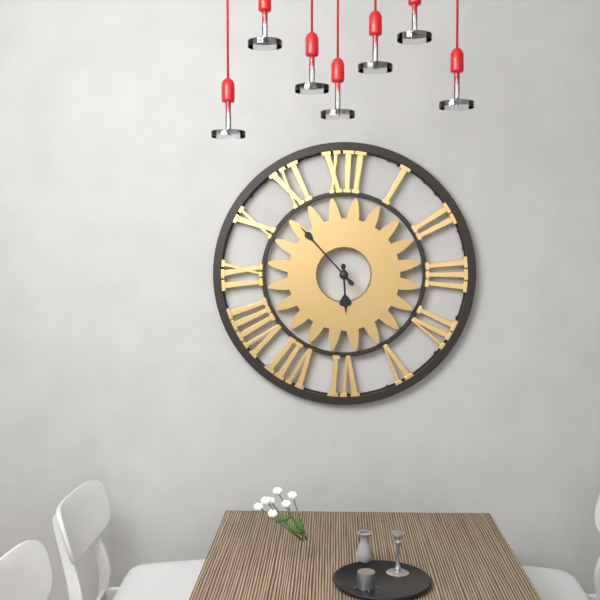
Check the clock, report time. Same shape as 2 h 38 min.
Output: 5 h 53 min
